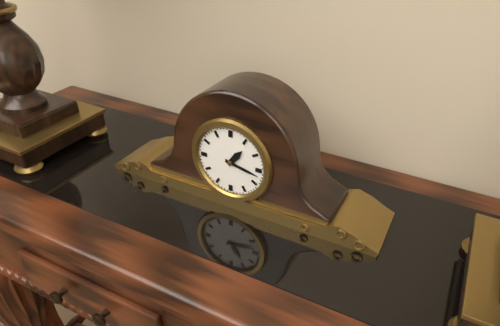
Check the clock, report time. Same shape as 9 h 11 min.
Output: 1 h 17 min
